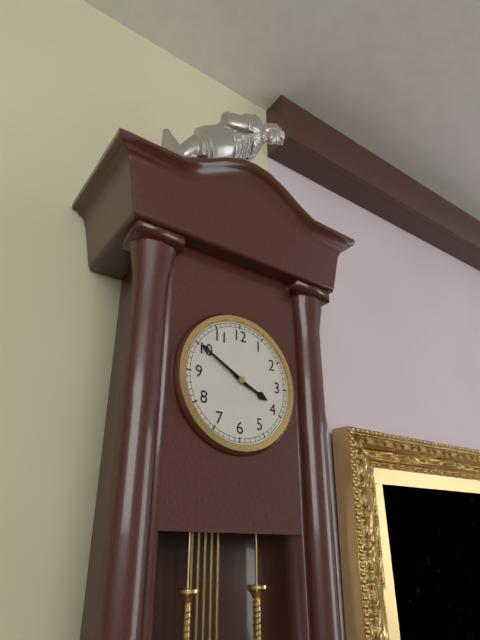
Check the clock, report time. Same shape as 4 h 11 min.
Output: 3 h 50 min
